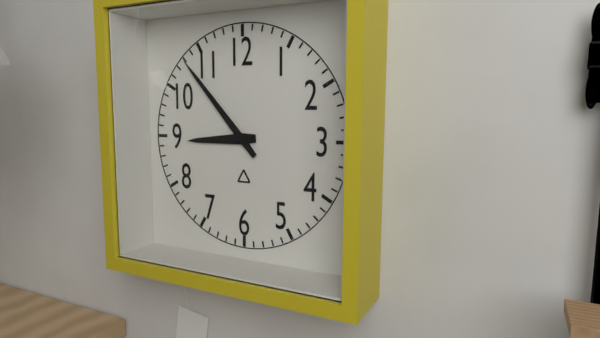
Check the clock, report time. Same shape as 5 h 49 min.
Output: 8 h 53 min
